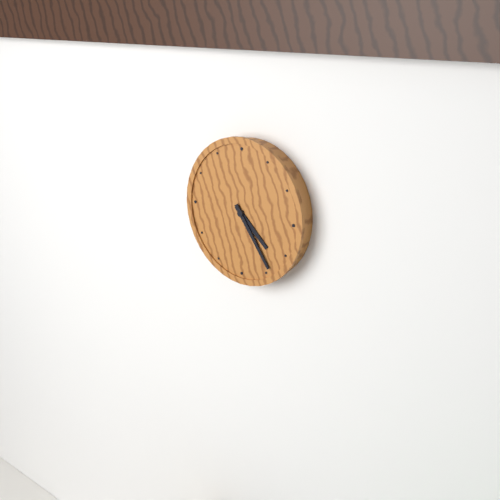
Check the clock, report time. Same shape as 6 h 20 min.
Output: 4 h 24 min
